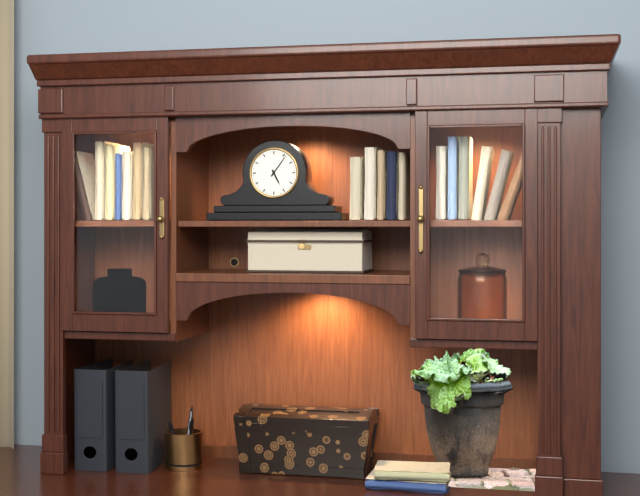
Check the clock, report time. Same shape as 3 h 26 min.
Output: 5 h 06 min
